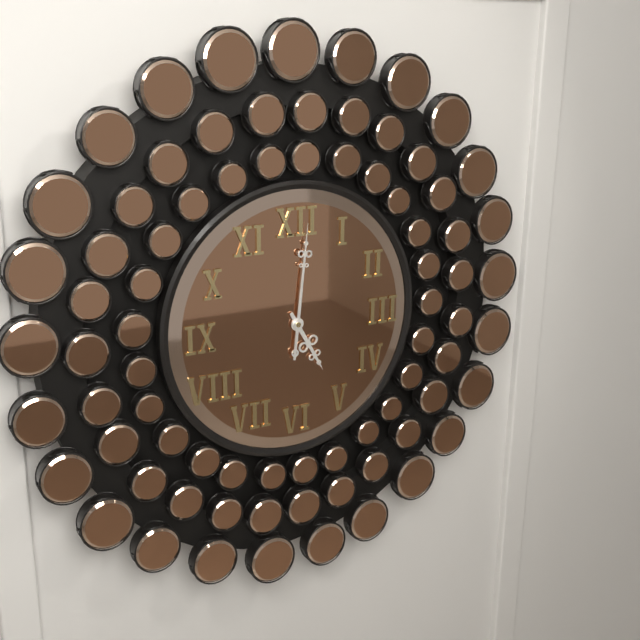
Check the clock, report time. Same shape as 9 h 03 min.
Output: 5 h 01 min
